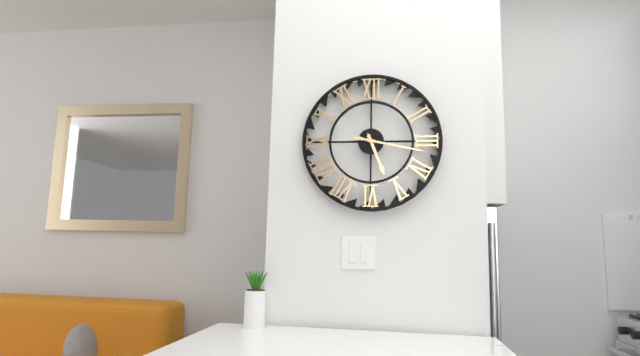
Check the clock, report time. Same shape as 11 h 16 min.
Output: 5 h 17 min
